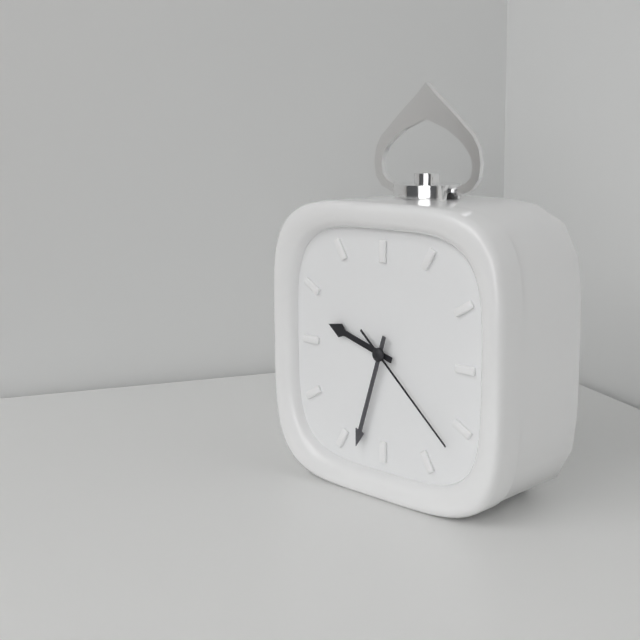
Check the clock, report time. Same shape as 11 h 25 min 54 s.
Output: 9 h 33 min 22 s
